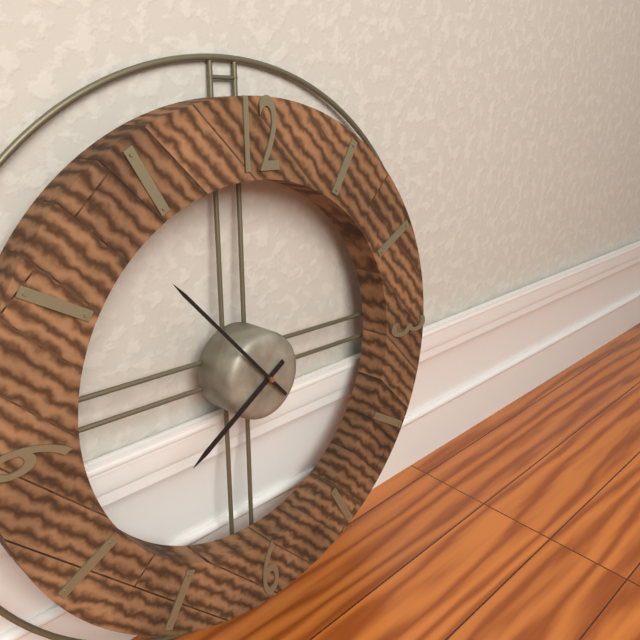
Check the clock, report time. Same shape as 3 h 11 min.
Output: 7 h 53 min
